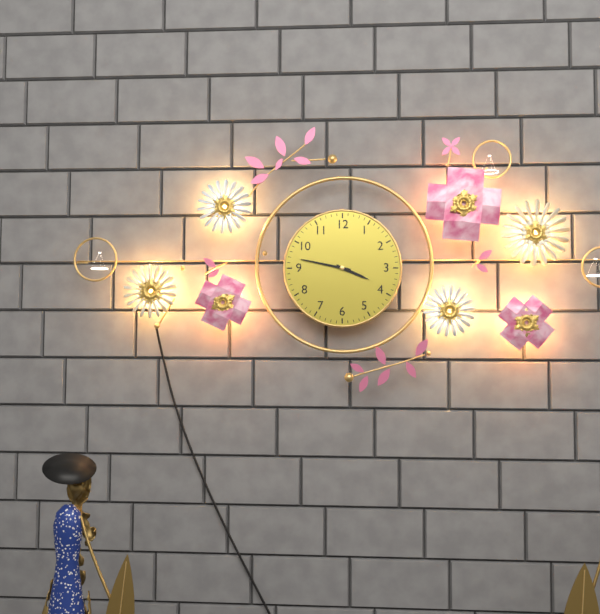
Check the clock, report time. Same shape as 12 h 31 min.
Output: 3 h 47 min
